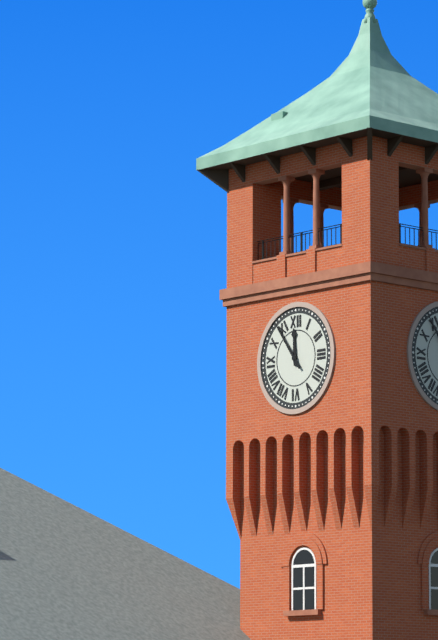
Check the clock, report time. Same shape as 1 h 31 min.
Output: 11 h 54 min
